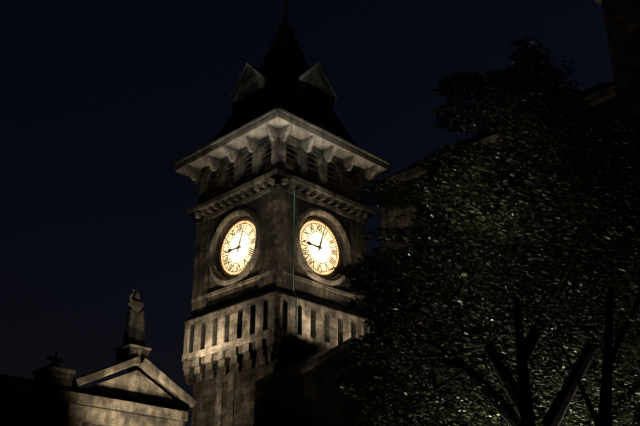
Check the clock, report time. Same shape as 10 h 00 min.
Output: 9 h 03 min
